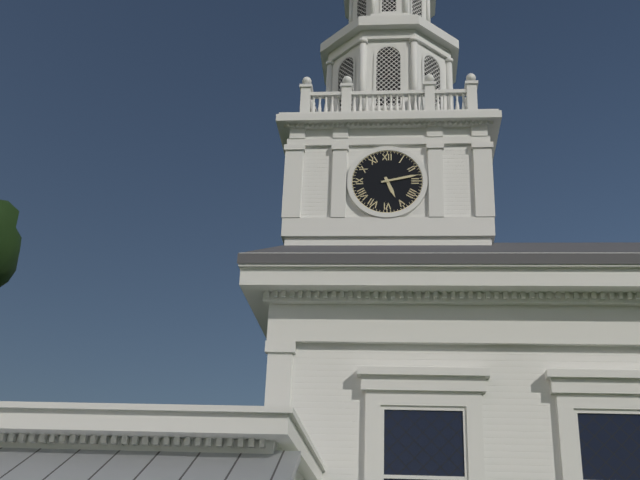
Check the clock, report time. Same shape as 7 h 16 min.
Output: 5 h 13 min
